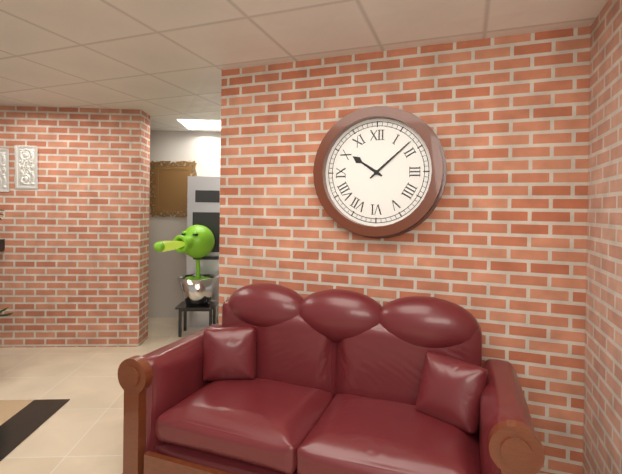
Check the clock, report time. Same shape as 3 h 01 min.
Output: 10 h 08 min
